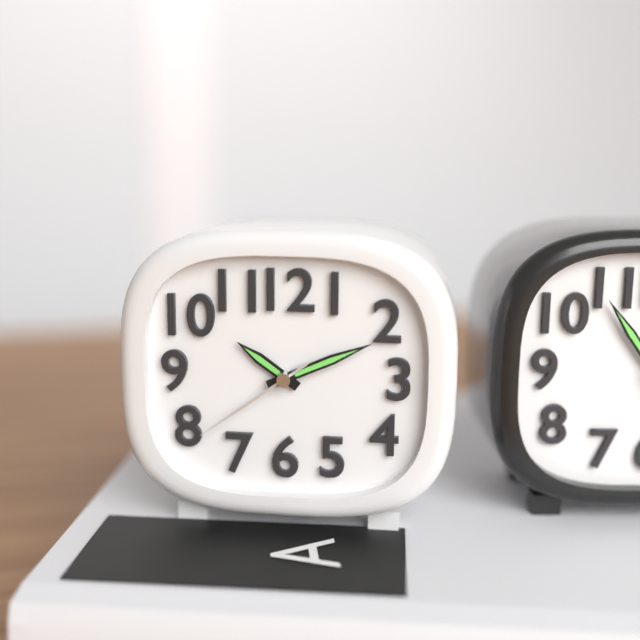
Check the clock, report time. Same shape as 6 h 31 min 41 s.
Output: 10 h 11 min 39 s
